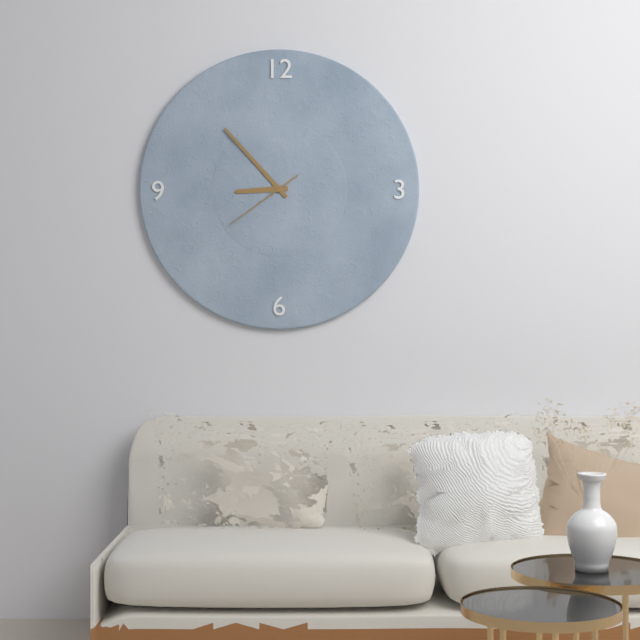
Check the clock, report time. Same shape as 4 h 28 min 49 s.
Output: 8 h 53 min 39 s
